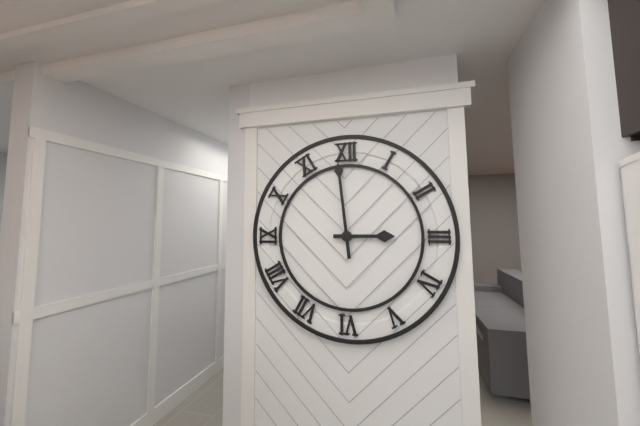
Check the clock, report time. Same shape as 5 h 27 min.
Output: 2 h 59 min
